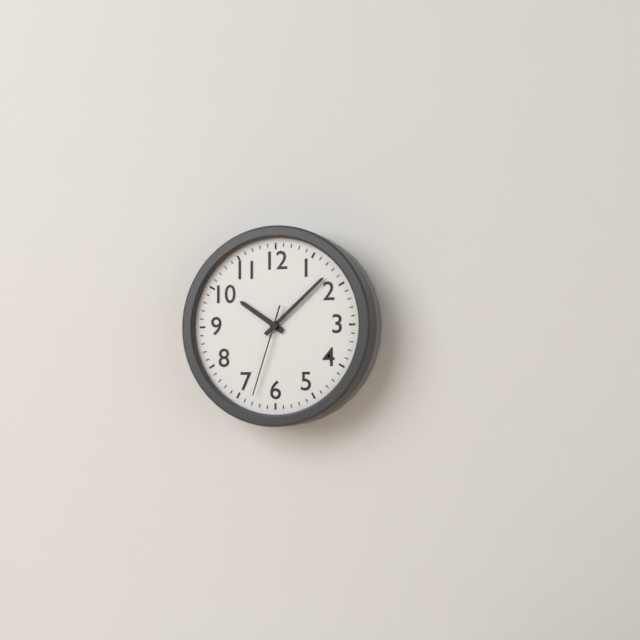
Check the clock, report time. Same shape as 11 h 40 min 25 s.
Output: 10 h 08 min 33 s
